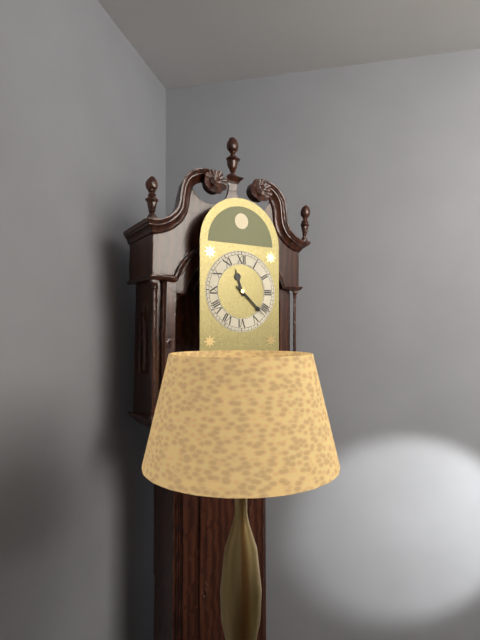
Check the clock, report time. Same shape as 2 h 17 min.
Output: 11 h 22 min
